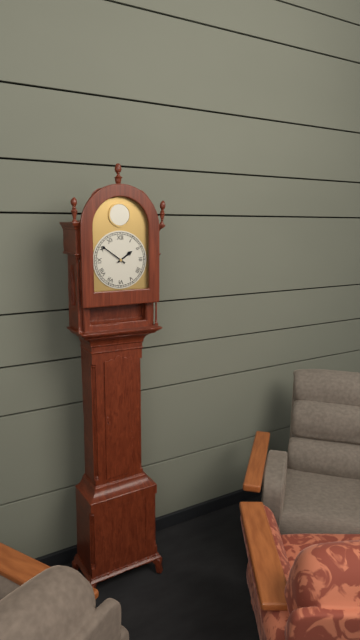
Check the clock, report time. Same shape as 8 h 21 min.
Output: 1 h 51 min
